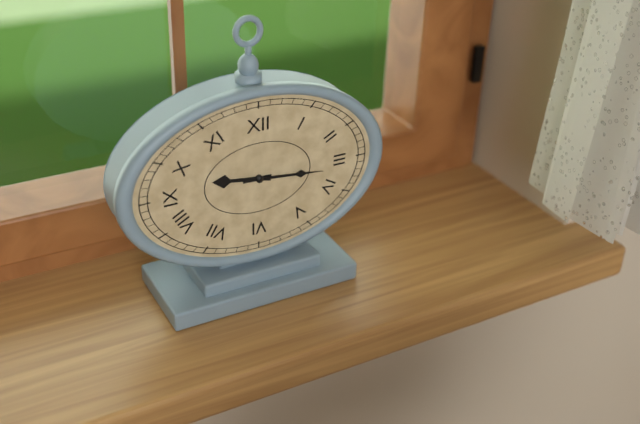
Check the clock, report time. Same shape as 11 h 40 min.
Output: 9 h 16 min
